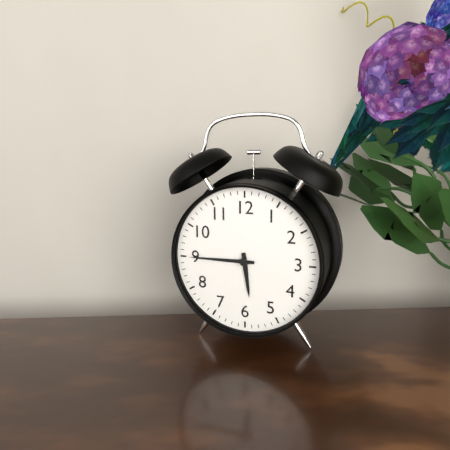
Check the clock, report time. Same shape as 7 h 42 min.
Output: 5 h 45 min
